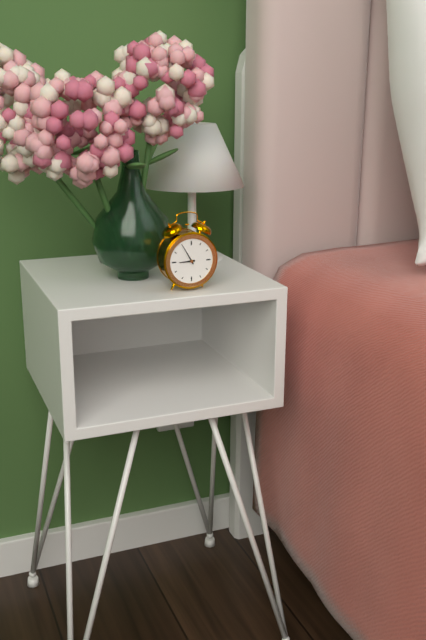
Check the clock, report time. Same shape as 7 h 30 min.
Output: 8 h 55 min
